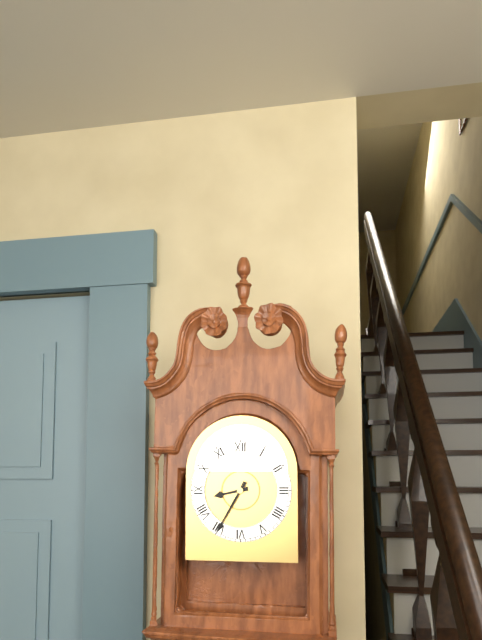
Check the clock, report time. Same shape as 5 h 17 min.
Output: 8 h 35 min
